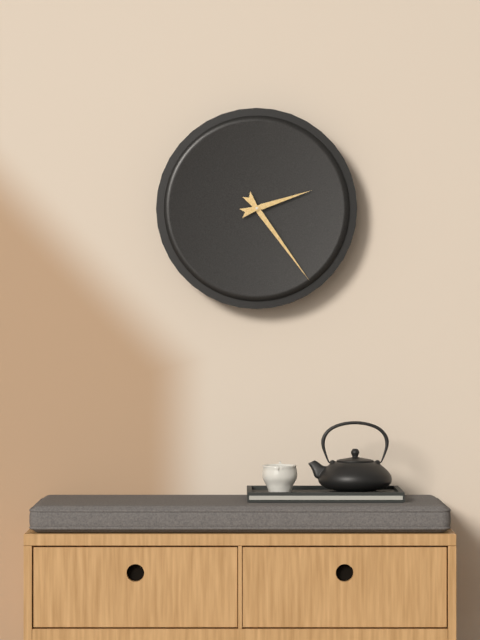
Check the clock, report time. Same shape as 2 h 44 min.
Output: 2 h 24 min
